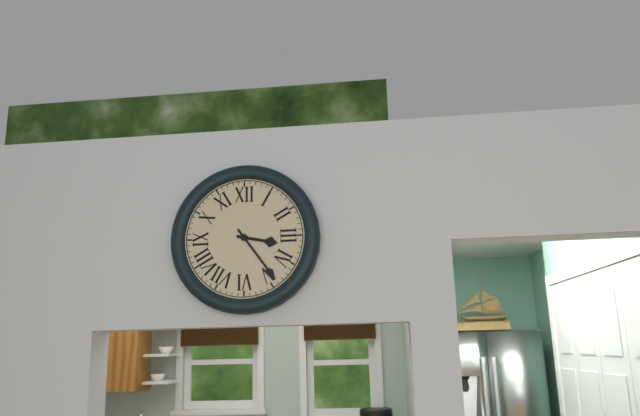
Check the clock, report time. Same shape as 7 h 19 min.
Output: 3 h 24 min
